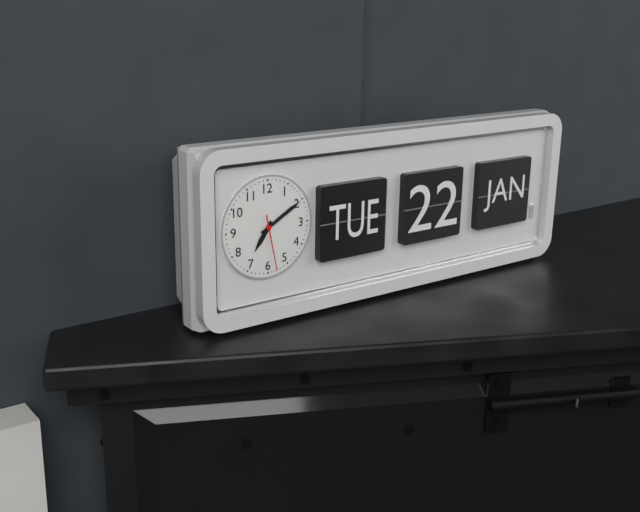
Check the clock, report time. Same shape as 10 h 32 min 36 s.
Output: 7 h 10 min 28 s
